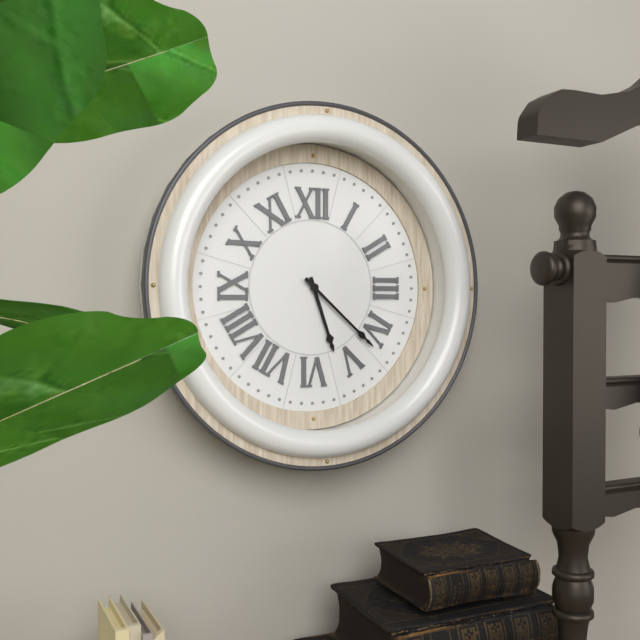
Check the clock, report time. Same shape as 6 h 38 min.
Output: 5 h 22 min
